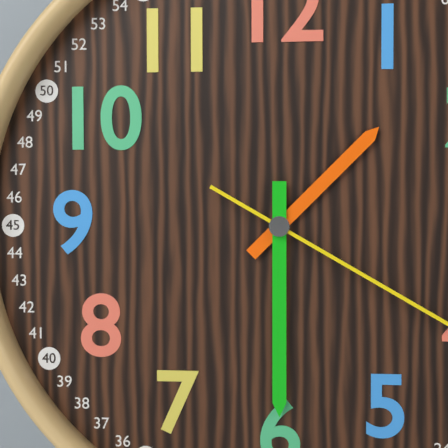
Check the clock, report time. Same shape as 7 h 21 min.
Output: 1 h 30 min
